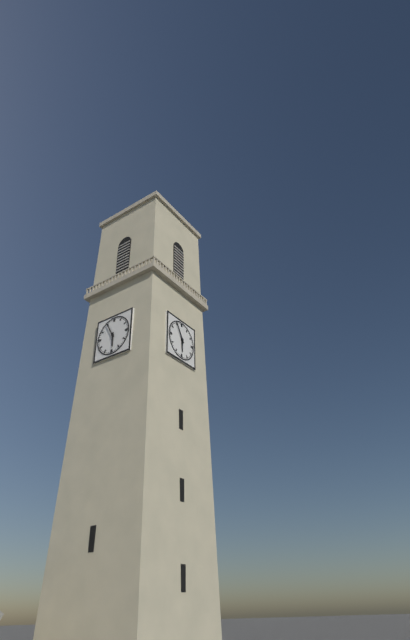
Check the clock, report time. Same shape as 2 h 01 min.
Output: 5 h 55 min
